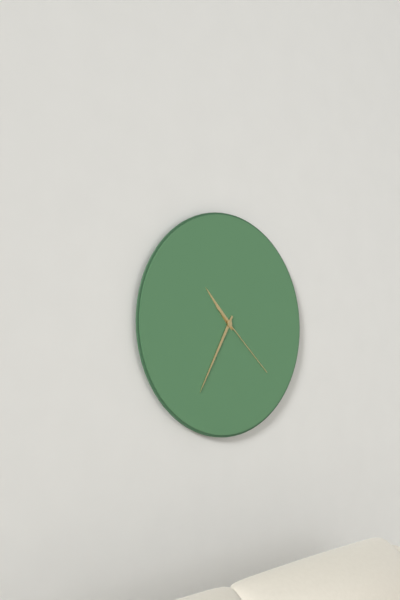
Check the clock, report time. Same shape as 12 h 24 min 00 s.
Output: 10 h 35 min 22 s
